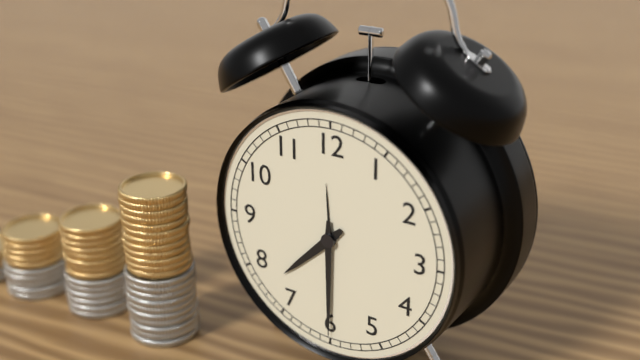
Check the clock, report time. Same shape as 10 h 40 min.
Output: 7 h 30 min
